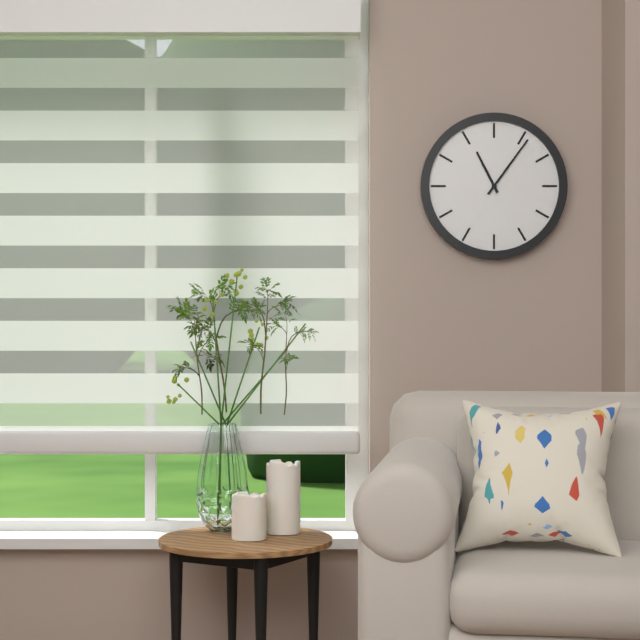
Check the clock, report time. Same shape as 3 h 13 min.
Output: 11 h 06 min
